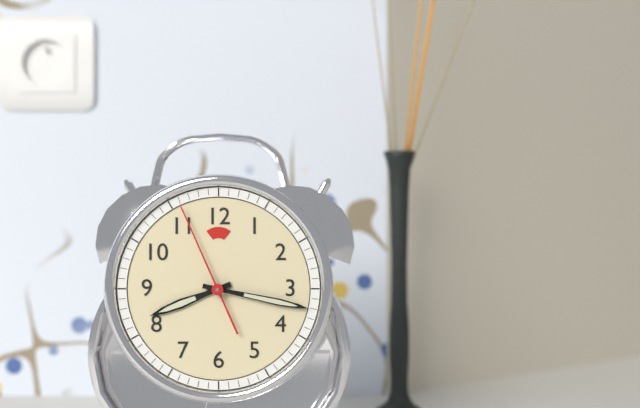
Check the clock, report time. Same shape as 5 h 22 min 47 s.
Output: 8 h 17 min 56 s
